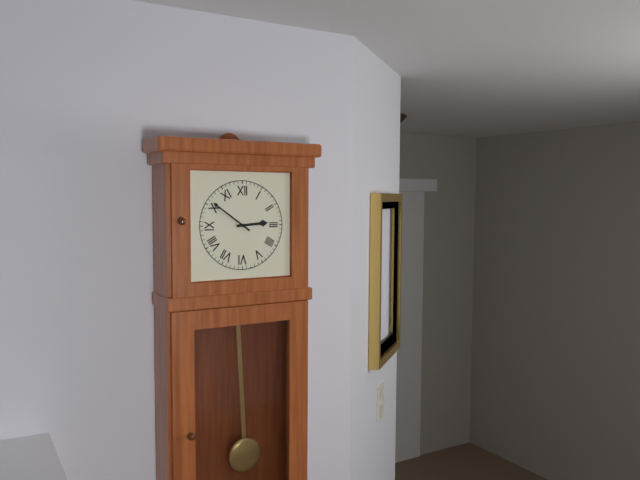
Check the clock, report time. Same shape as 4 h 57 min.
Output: 2 h 51 min
